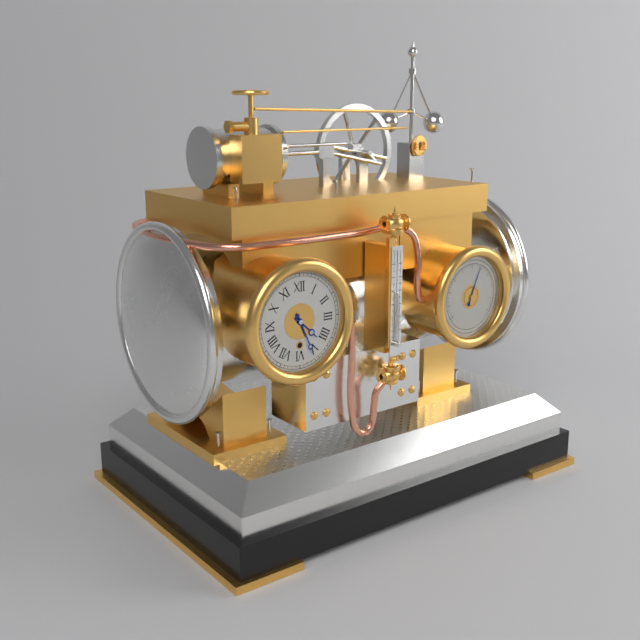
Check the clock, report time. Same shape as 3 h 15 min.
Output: 4 h 26 min
